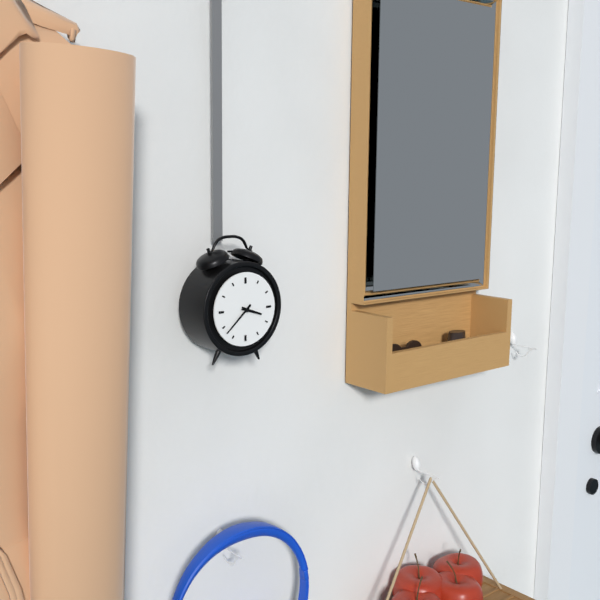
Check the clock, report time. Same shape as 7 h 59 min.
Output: 3 h 38 min
